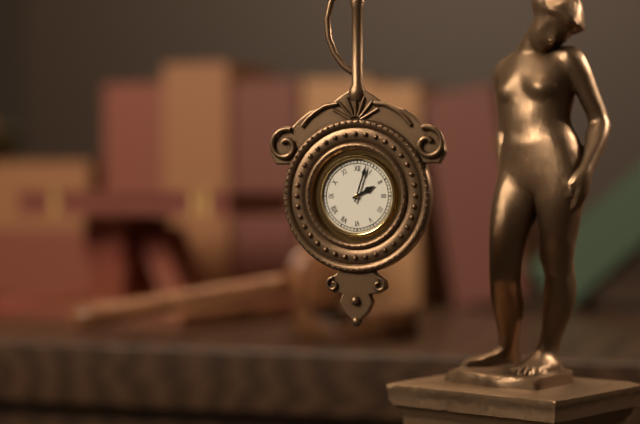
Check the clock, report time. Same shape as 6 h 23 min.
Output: 2 h 03 min
